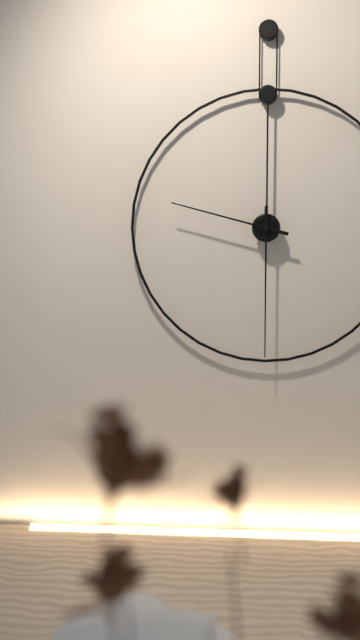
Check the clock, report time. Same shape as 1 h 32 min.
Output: 9 h 30 min
